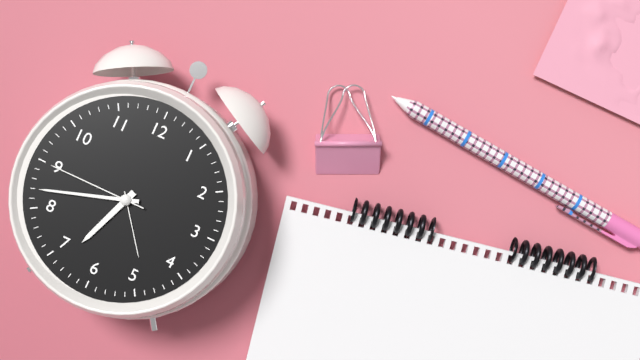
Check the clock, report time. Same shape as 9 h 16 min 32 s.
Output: 6 h 42 min 45 s
